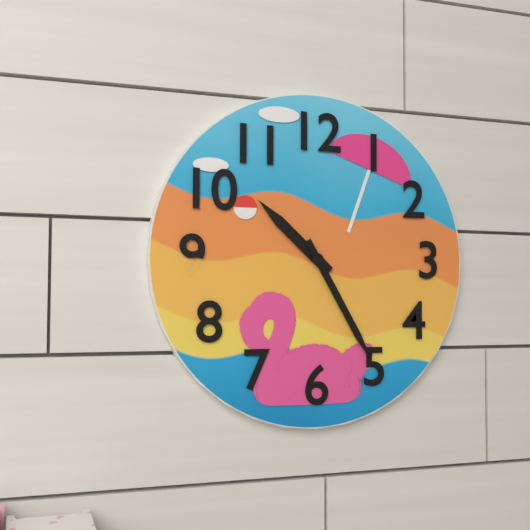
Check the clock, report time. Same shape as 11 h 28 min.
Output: 10 h 25 min
